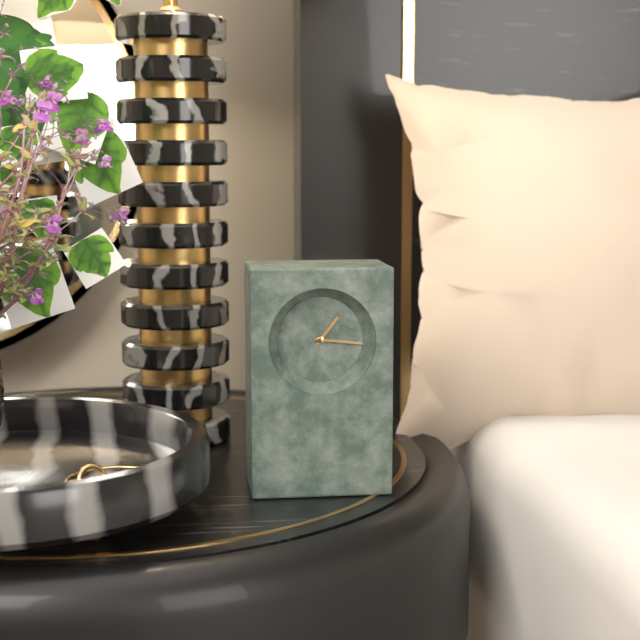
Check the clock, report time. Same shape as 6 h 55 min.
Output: 1 h 16 min
